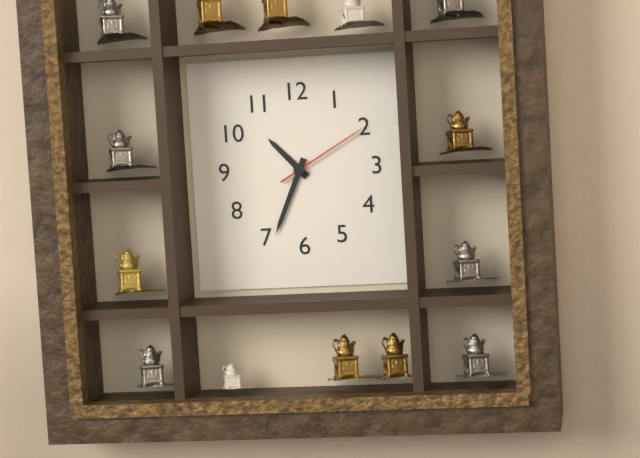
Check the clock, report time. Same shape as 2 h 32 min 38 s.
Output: 10 h 34 min 10 s
